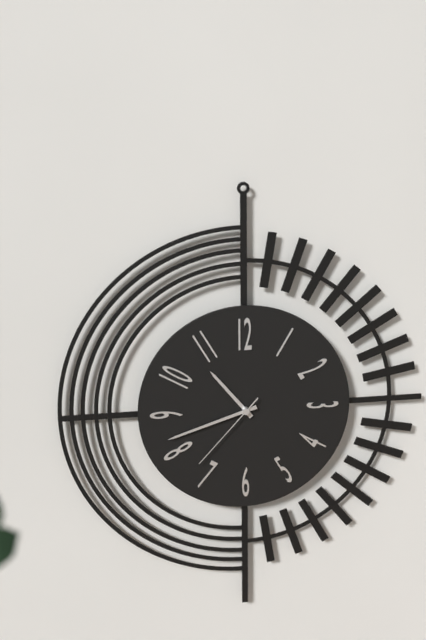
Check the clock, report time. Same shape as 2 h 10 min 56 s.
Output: 10 h 42 min 37 s
